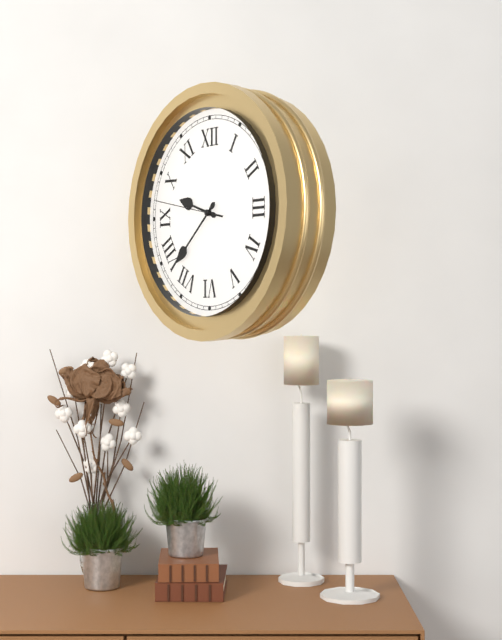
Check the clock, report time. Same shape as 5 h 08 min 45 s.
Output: 9 h 38 min 47 s
